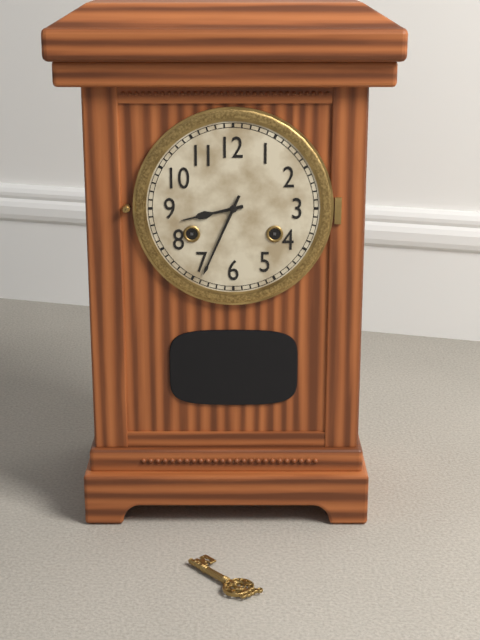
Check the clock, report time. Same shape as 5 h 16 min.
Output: 8 h 34 min
